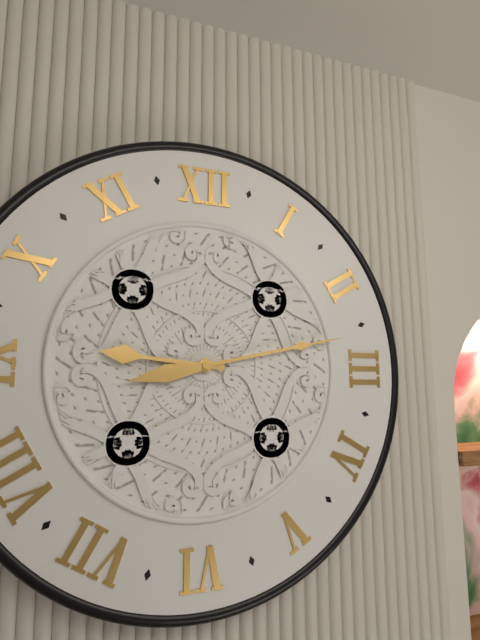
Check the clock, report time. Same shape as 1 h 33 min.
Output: 9 h 13 min
